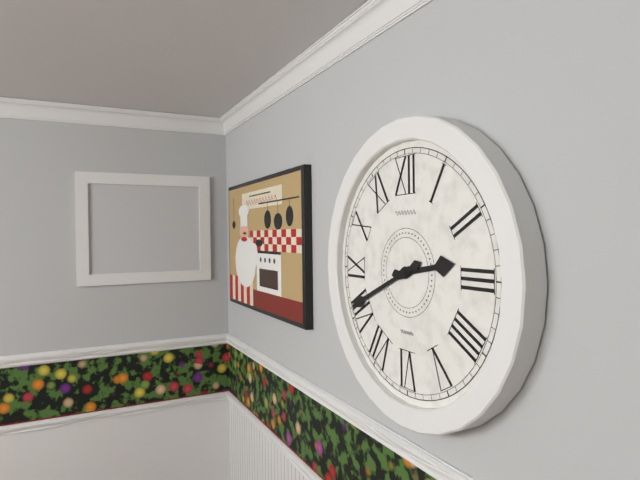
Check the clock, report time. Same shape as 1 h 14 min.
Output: 2 h 41 min
